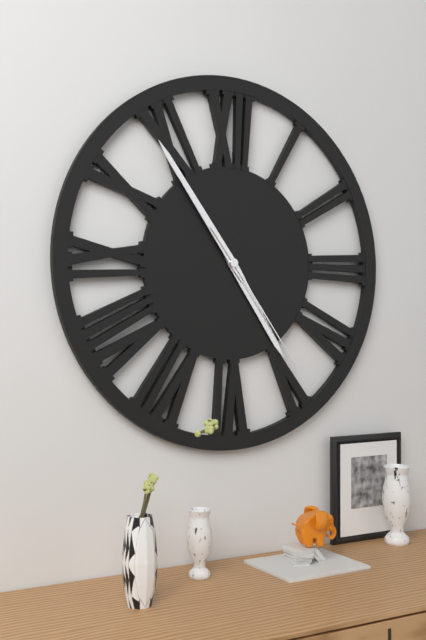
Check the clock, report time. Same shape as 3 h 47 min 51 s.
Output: 4 h 54 min 24 s
